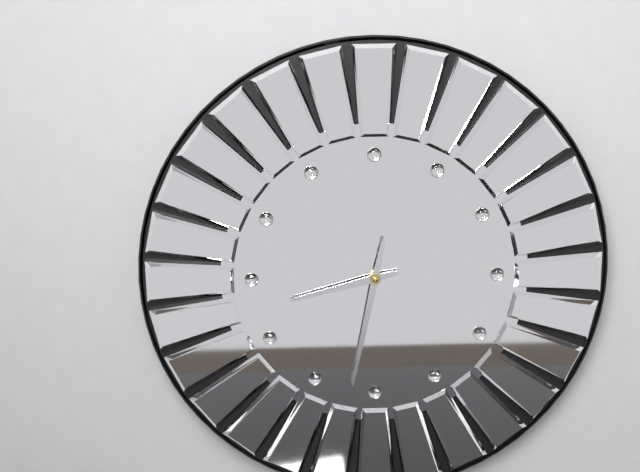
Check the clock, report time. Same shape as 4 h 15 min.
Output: 8 h 32 min
